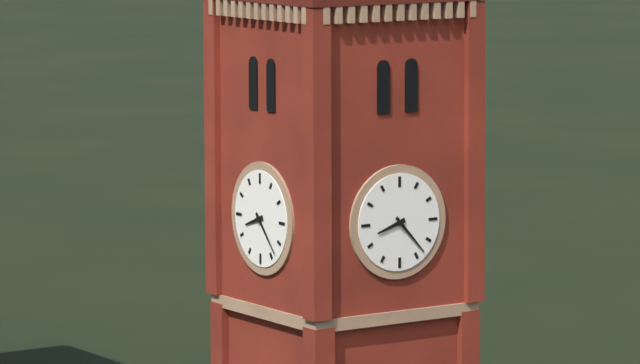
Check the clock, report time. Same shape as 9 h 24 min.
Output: 8 h 23 min
